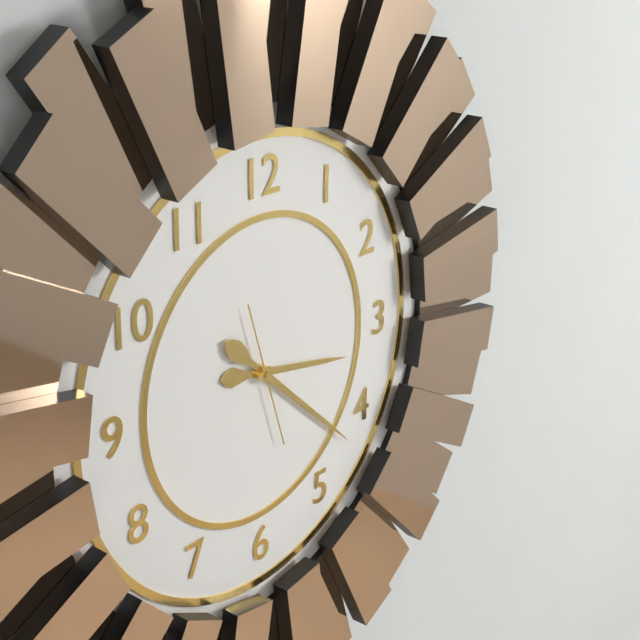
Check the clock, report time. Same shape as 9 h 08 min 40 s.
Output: 3 h 22 min 27 s
